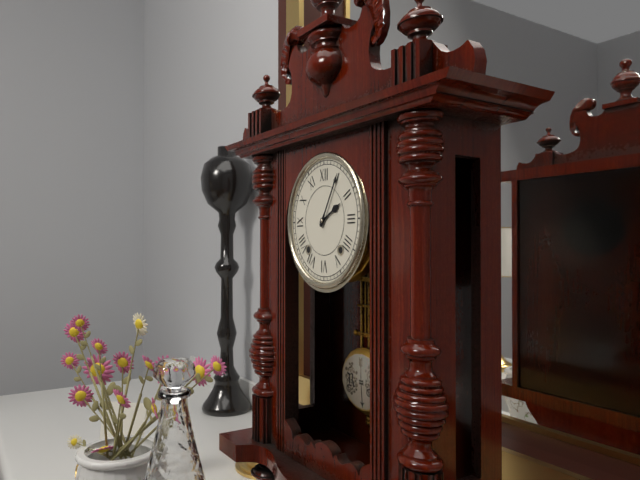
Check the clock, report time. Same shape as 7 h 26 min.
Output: 2 h 05 min
